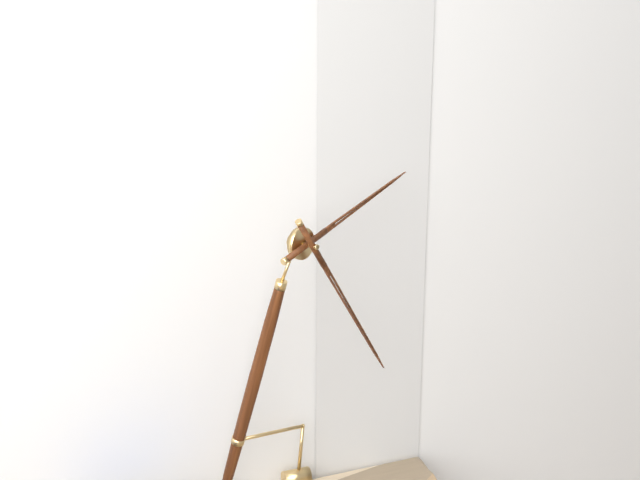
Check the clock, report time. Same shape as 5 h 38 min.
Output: 2 h 24 min
